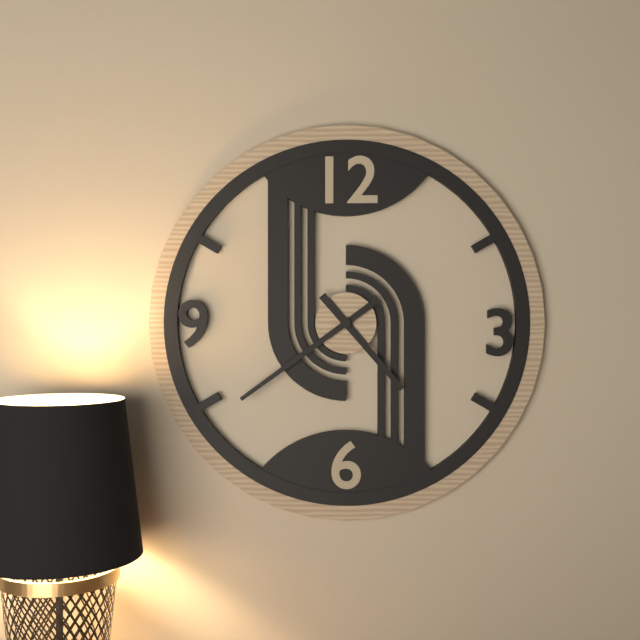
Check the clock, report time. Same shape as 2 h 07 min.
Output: 4 h 39 min
